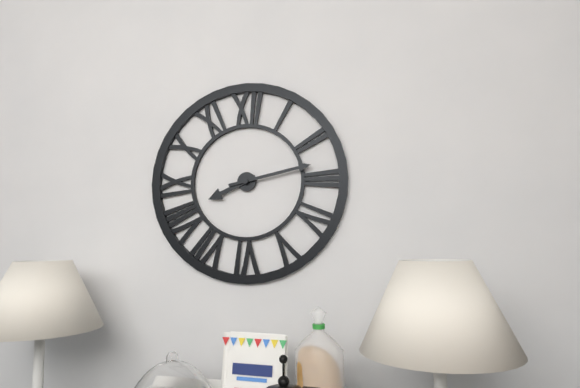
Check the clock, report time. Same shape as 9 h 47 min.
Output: 8 h 13 min
